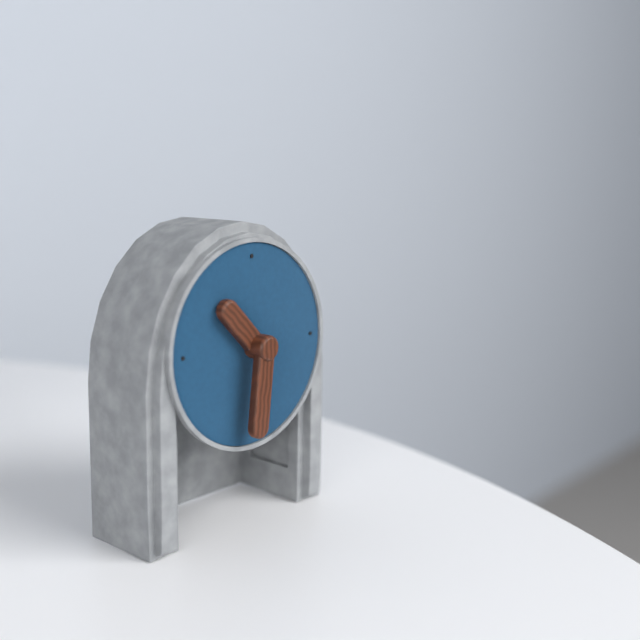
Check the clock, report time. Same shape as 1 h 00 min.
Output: 10 h 31 min
